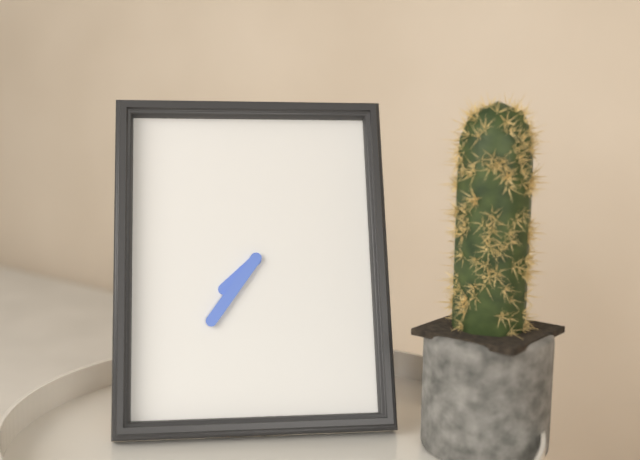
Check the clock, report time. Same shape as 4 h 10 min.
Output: 7 h 36 min
